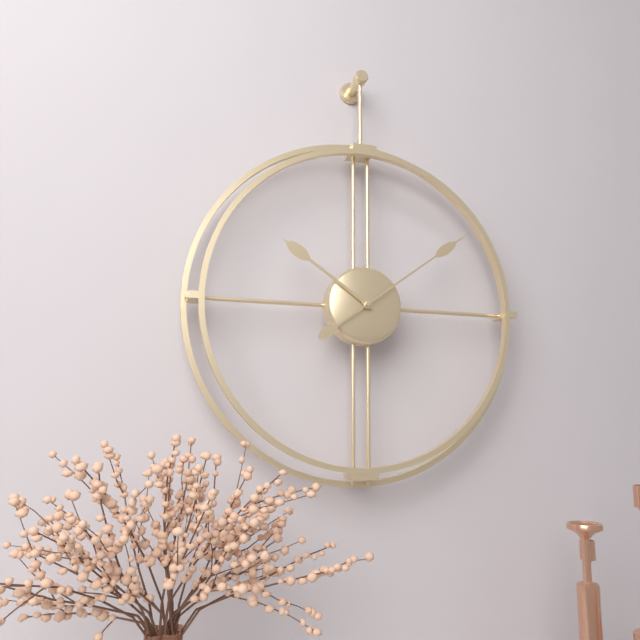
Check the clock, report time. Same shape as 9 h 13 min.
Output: 10 h 09 min
